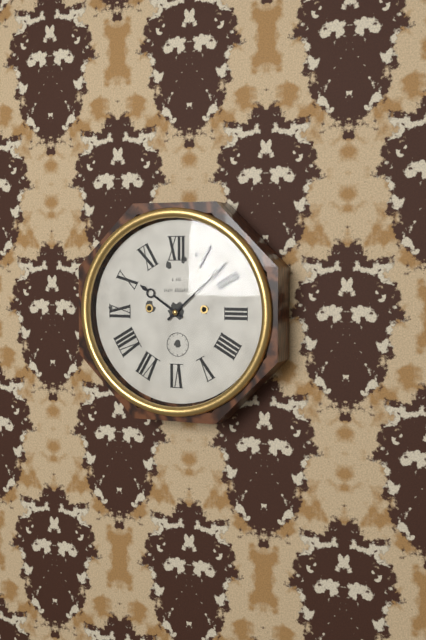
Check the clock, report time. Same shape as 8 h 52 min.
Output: 10 h 08 min
